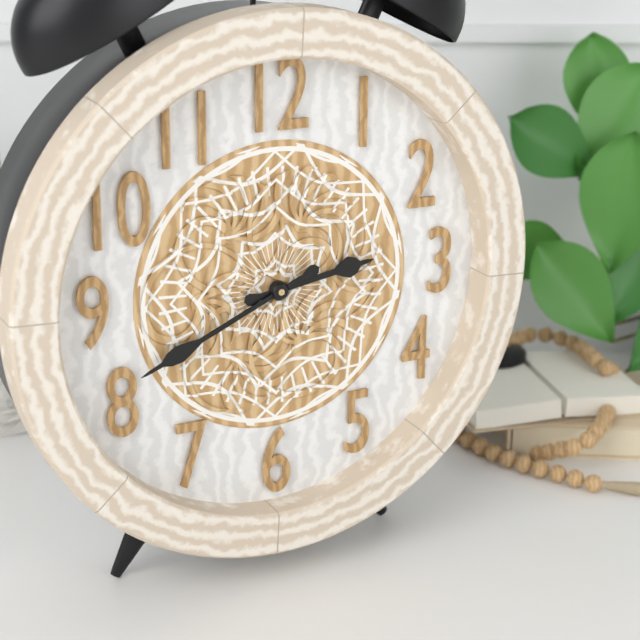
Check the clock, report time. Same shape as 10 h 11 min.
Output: 2 h 41 min
